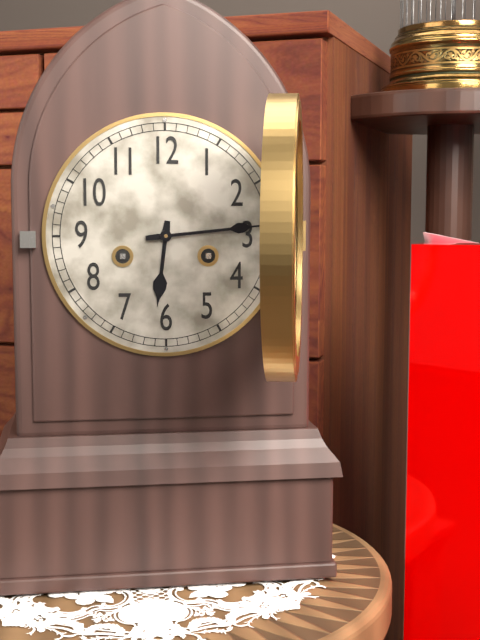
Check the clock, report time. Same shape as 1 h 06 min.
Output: 6 h 14 min
